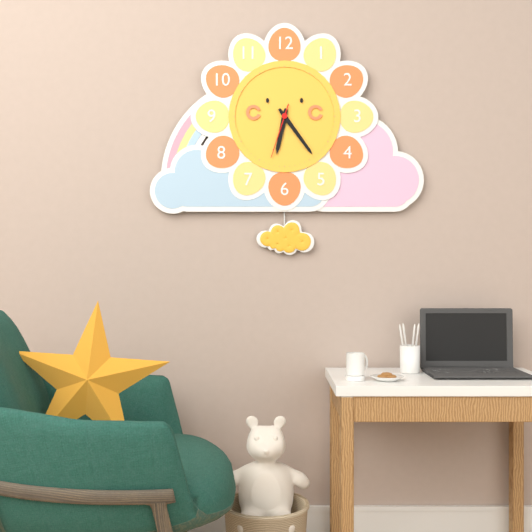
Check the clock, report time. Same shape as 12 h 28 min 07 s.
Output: 6 h 24 min 33 s
